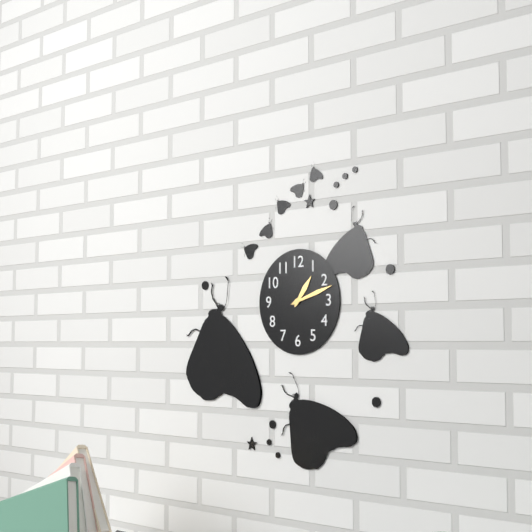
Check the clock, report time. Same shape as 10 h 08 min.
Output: 1 h 12 min
